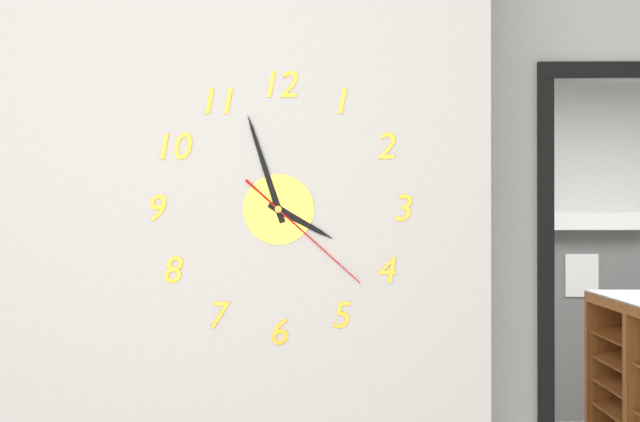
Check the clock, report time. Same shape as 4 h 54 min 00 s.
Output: 3 h 57 min 22 s
